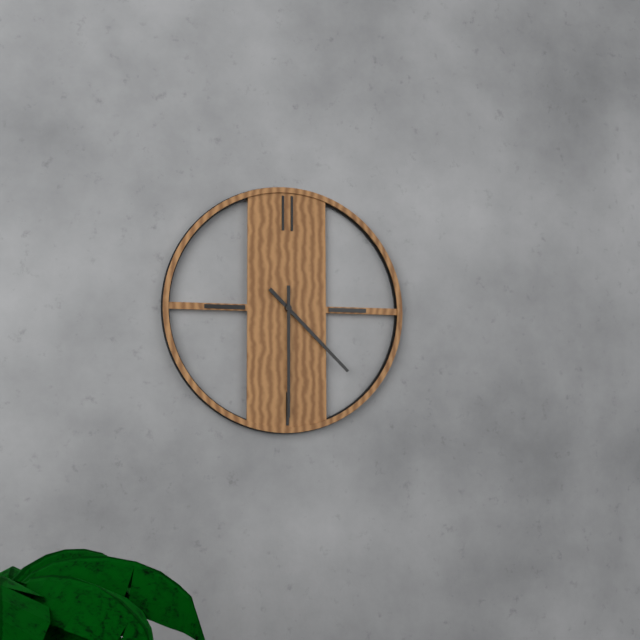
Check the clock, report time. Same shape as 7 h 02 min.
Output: 4 h 30 min
